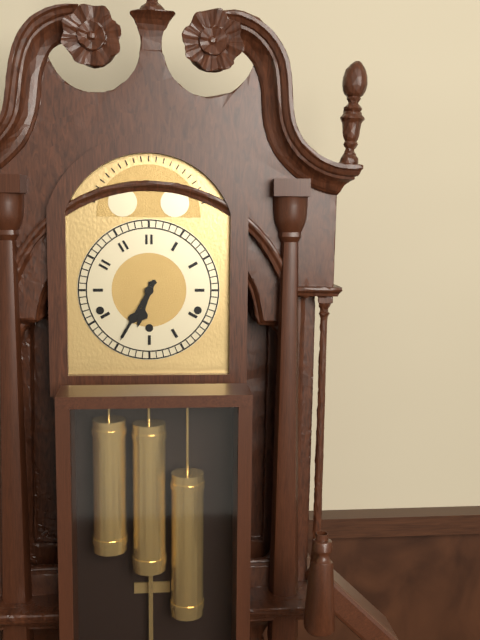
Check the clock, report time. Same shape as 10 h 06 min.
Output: 6 h 35 min
